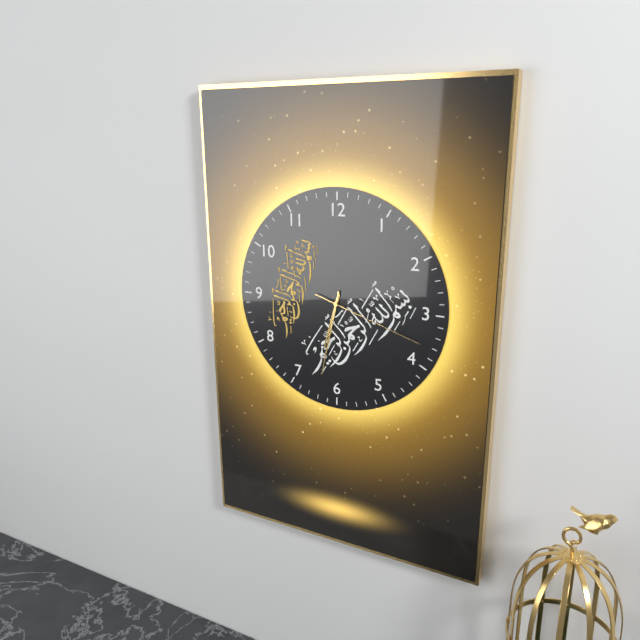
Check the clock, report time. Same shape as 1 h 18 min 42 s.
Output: 6 h 32 min 18 s
